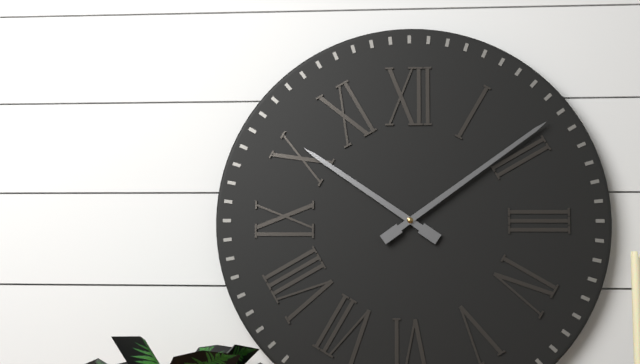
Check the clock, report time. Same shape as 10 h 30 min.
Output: 10 h 09 min
